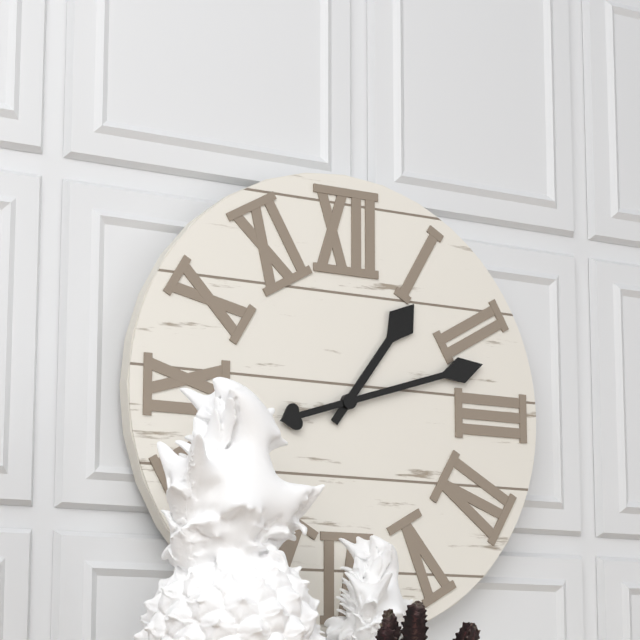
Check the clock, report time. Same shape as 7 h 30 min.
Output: 1 h 12 min
